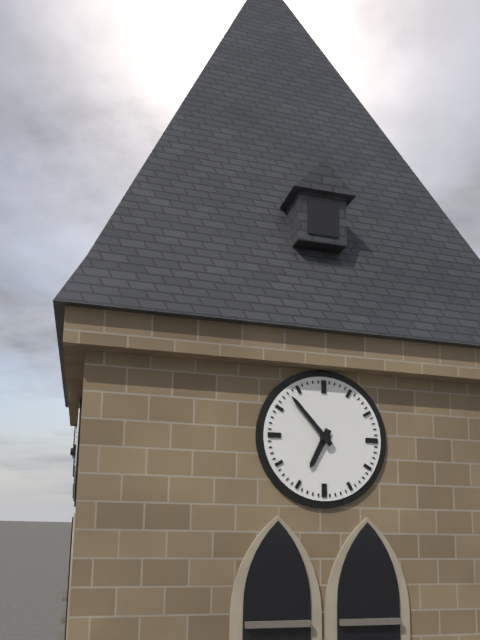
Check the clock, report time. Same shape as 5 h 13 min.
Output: 6 h 53 min
